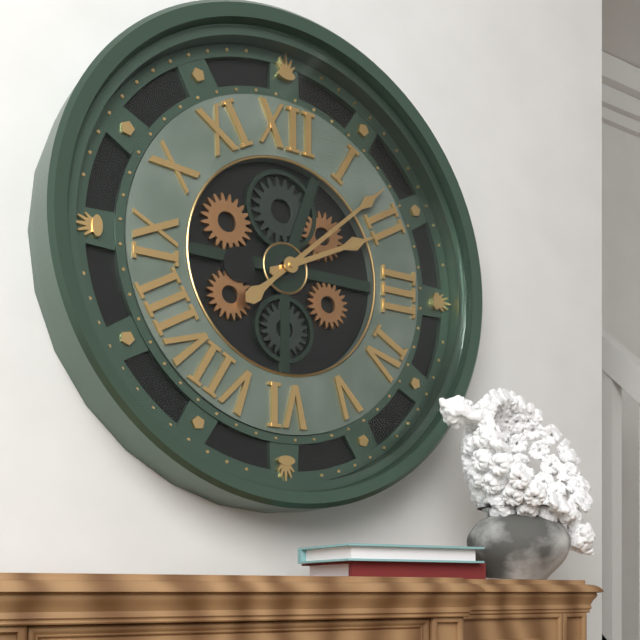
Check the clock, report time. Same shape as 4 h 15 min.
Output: 2 h 08 min
